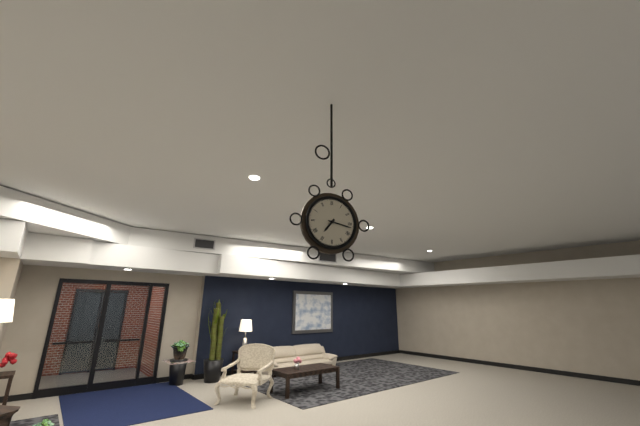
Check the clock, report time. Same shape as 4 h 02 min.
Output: 7 h 17 min
